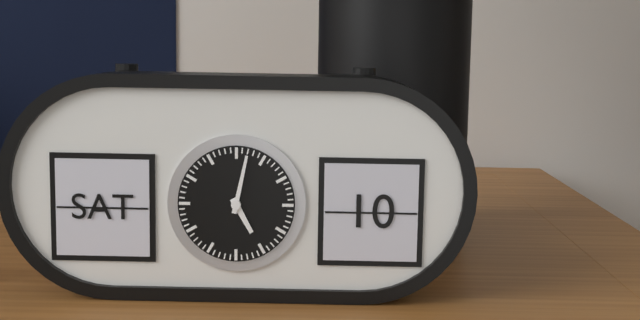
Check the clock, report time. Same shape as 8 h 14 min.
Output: 5 h 02 min
